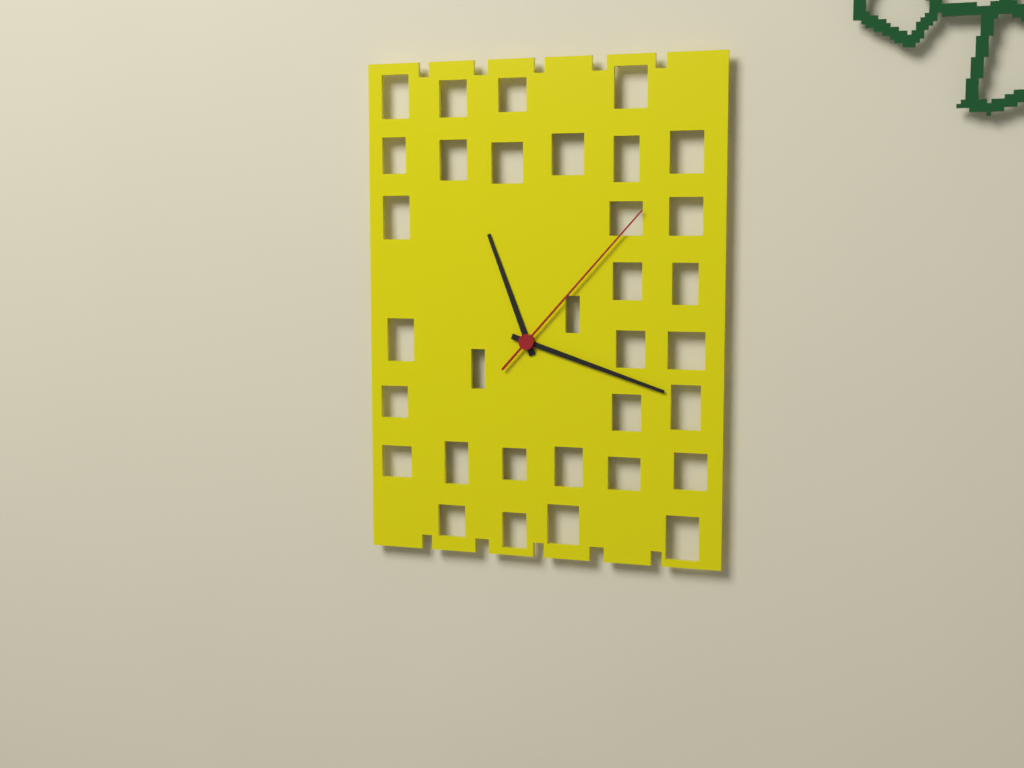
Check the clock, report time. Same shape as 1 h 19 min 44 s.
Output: 11 h 18 min 07 s
